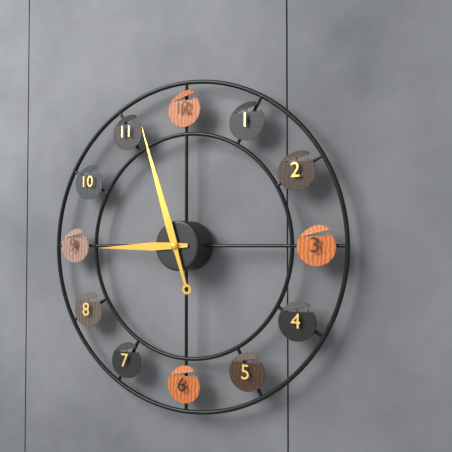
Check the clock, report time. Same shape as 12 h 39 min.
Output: 8 h 57 min
